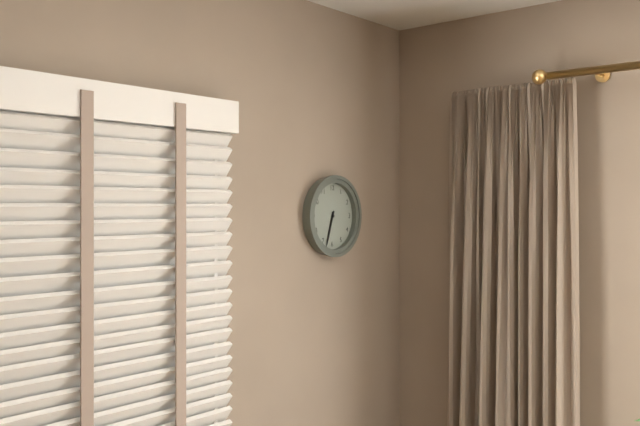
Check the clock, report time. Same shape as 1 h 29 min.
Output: 6 h 33 min
